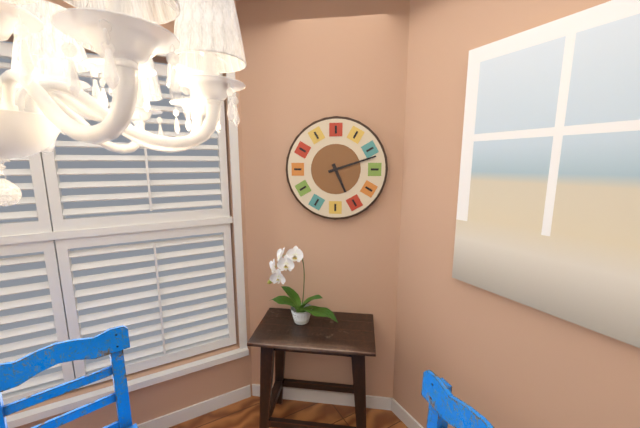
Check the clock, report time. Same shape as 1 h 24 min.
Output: 5 h 12 min
